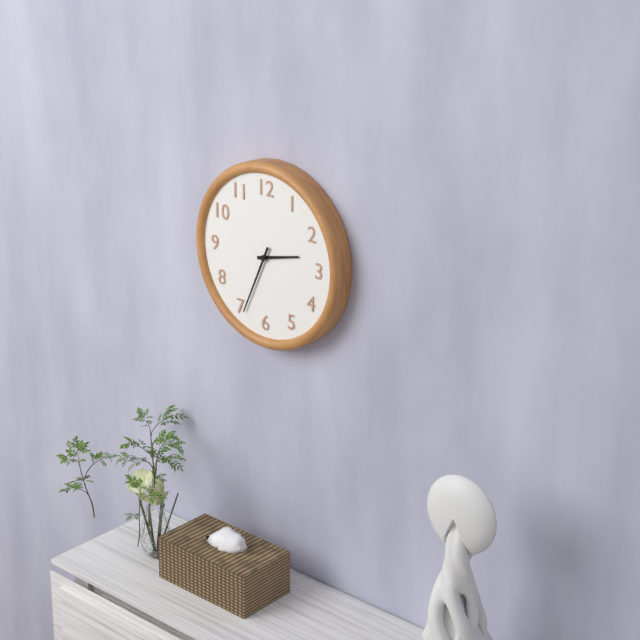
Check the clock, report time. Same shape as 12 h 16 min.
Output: 2 h 34 min
